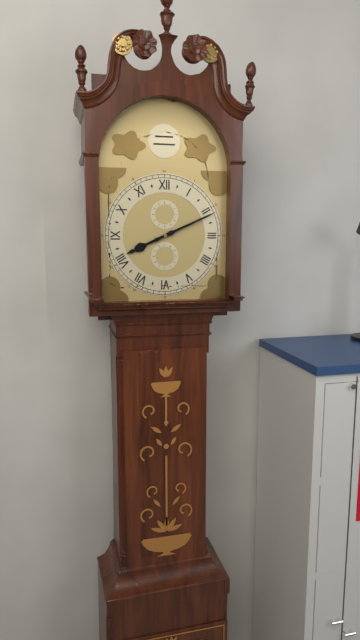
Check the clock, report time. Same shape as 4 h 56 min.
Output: 8 h 11 min
